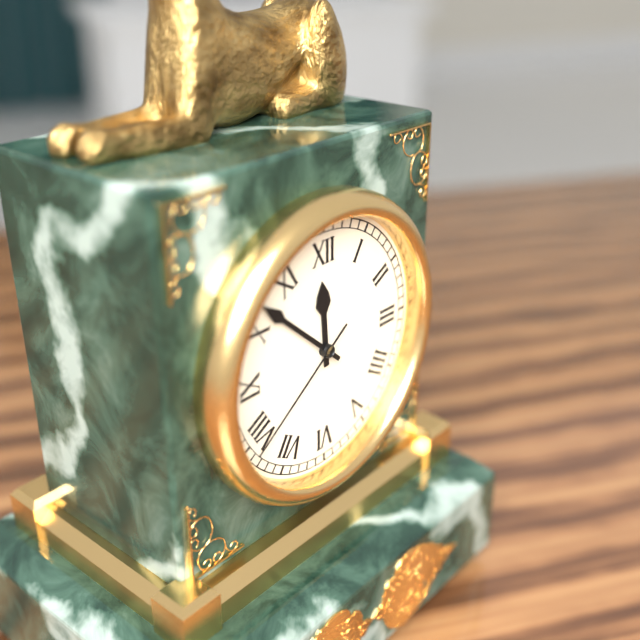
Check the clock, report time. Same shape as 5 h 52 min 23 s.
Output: 11 h 52 min 39 s
